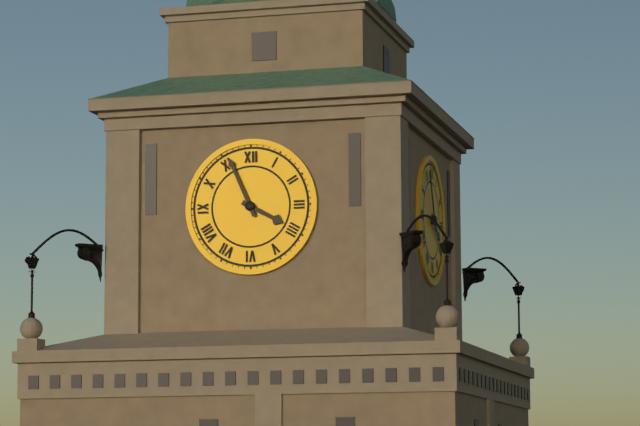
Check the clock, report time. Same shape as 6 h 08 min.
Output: 3 h 56 min
